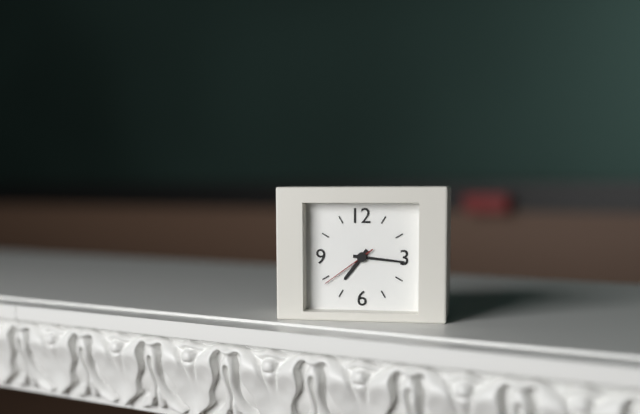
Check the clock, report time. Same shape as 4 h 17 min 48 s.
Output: 7 h 16 min 39 s
